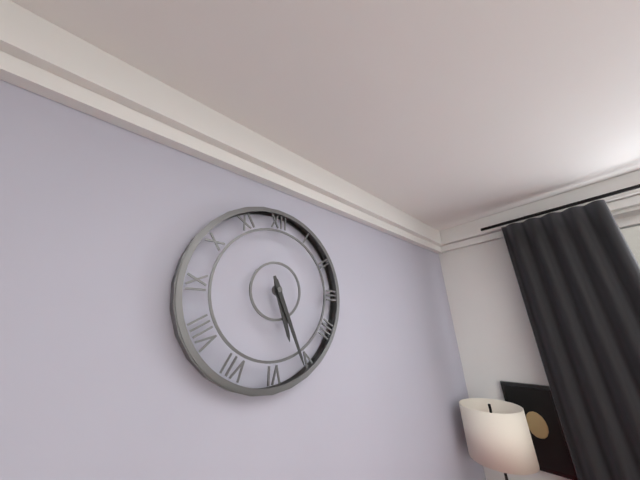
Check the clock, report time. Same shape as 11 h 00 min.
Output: 5 h 26 min
